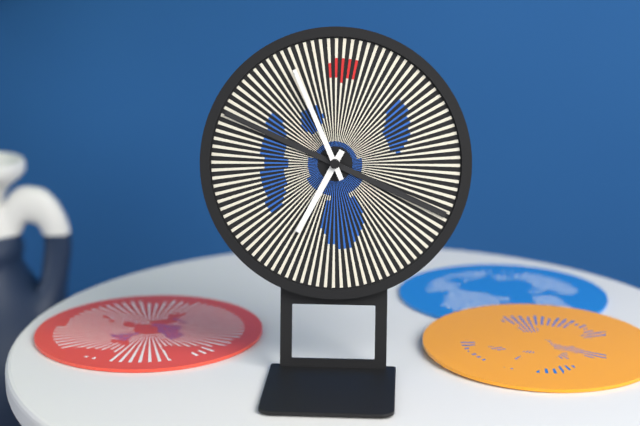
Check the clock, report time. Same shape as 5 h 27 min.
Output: 6 h 56 min
